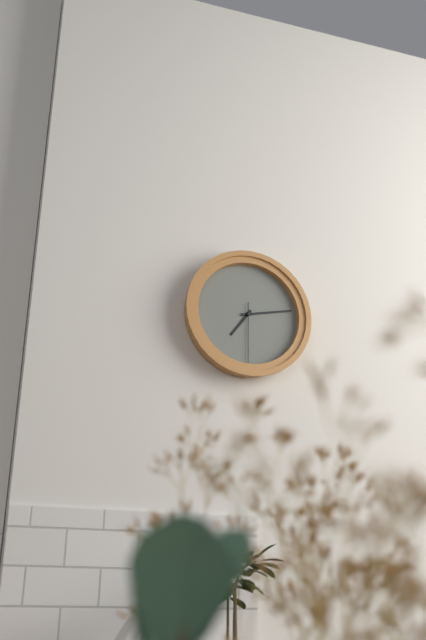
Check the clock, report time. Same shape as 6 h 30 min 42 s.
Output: 7 h 13 min 30 s
